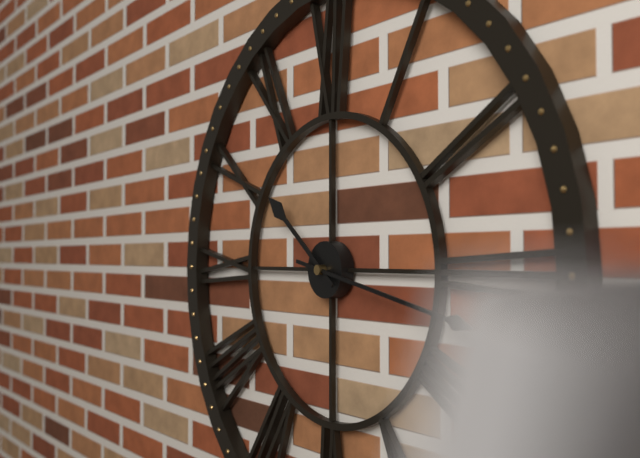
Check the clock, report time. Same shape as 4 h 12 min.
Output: 10 h 17 min
